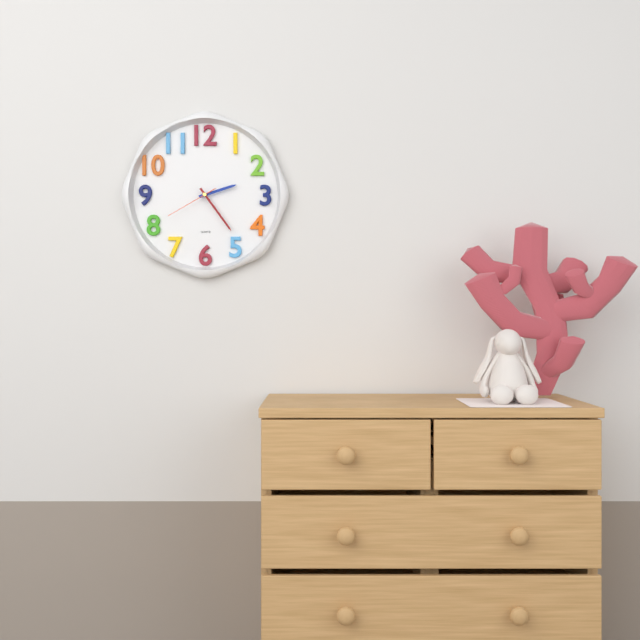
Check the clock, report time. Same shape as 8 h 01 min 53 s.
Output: 2 h 24 min 40 s
